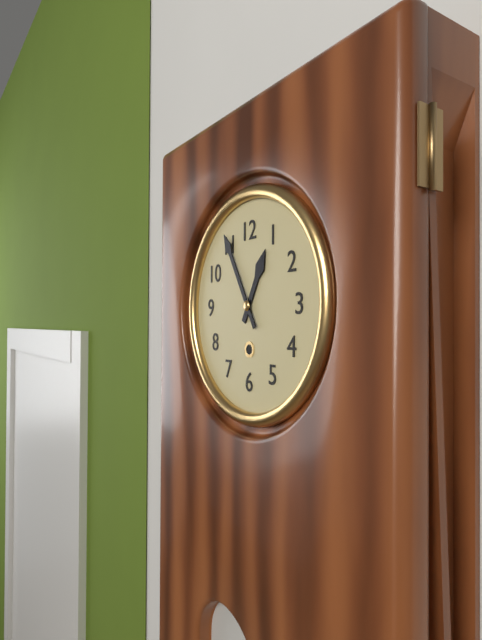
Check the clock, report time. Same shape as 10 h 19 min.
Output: 12 h 55 min
